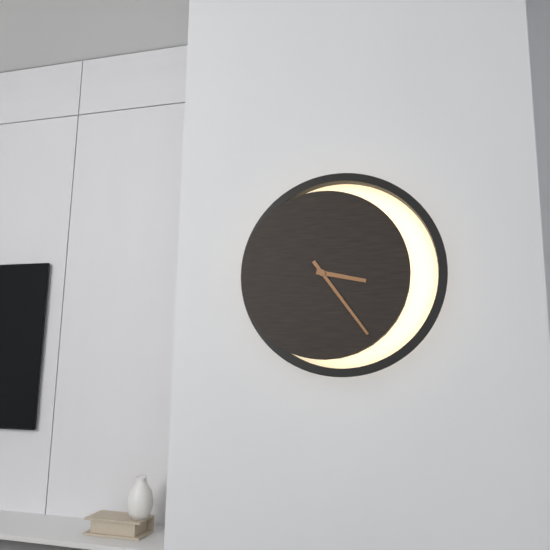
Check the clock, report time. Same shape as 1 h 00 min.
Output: 3 h 24 min
